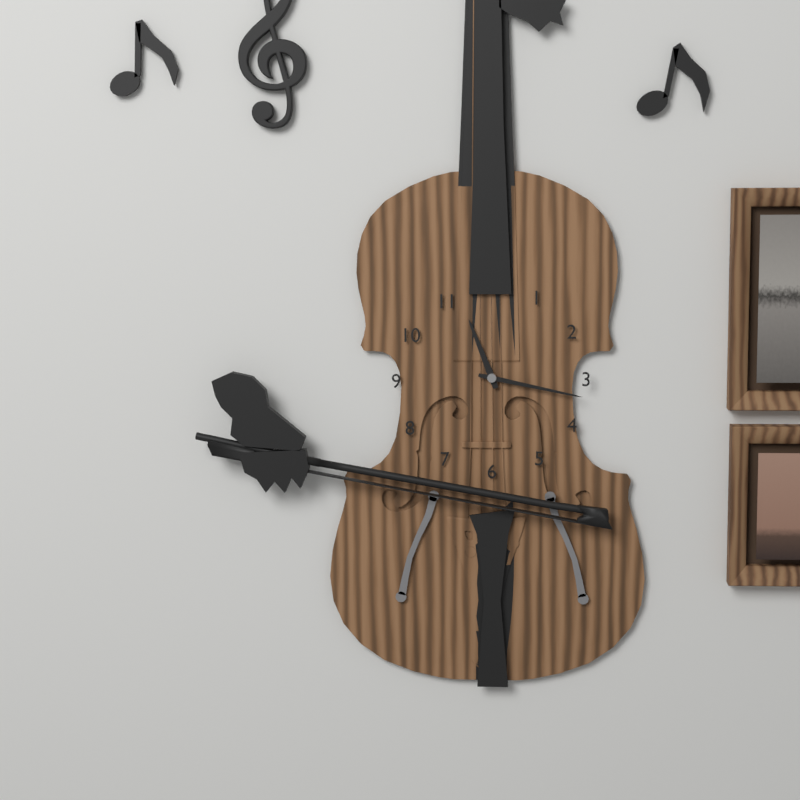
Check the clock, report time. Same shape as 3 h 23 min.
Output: 11 h 17 min
